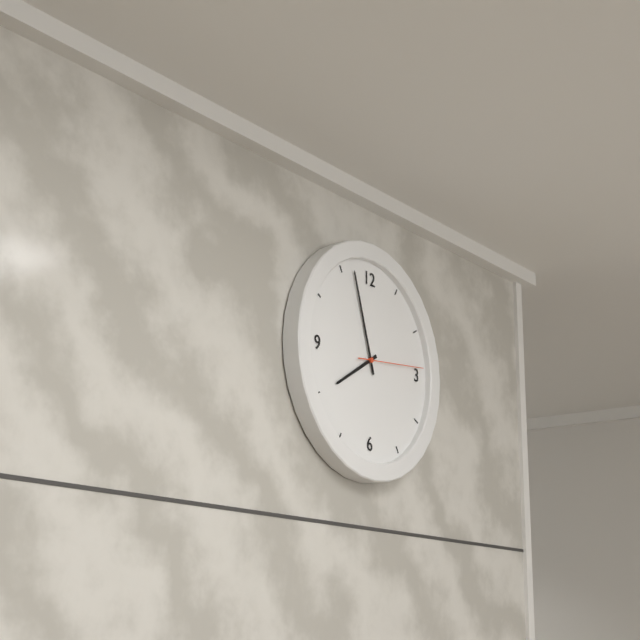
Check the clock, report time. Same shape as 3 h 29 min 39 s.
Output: 7 h 57 min 14 s
